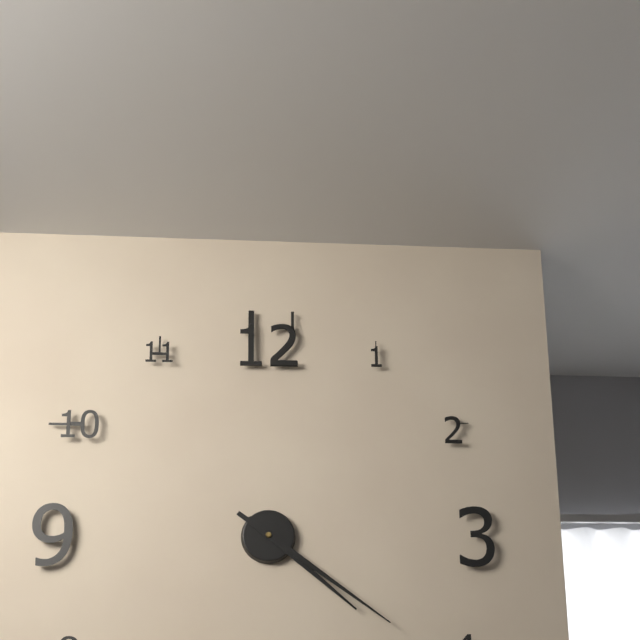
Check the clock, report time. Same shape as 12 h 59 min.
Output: 4 h 21 min
